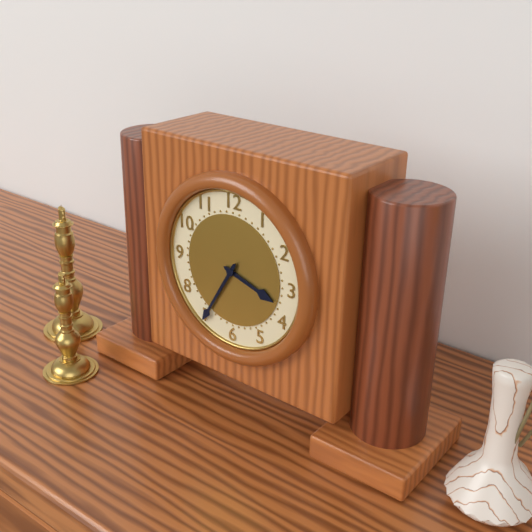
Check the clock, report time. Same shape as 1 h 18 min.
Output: 3 h 35 min
